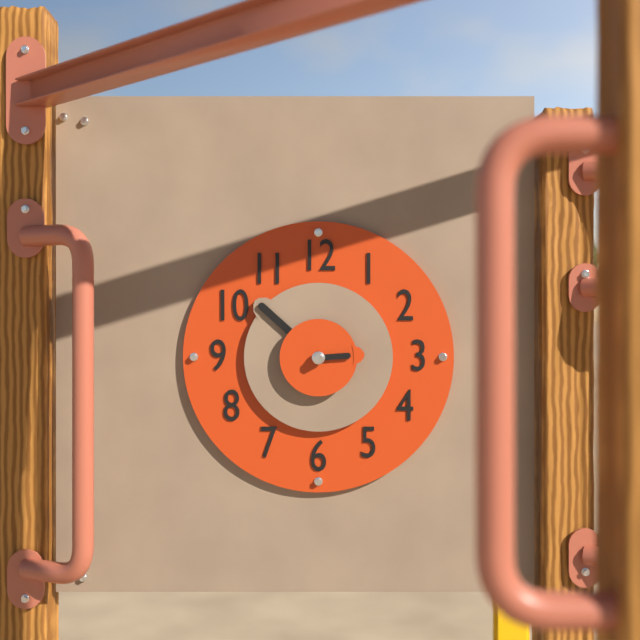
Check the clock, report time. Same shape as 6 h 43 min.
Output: 2 h 52 min
